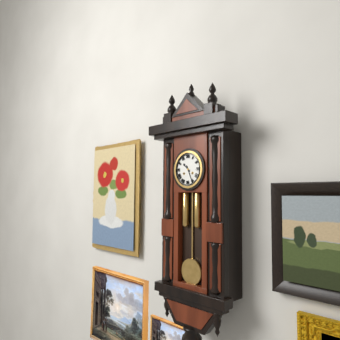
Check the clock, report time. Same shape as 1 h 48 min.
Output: 10 h 26 min
